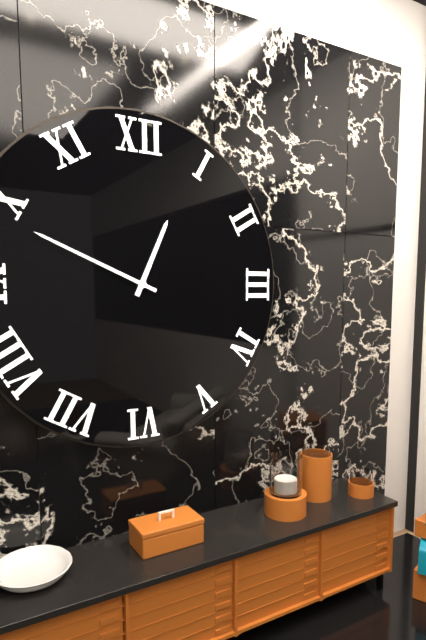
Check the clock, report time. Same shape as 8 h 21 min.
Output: 12 h 49 min
